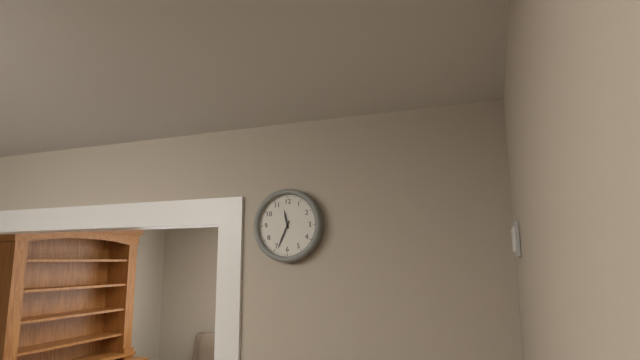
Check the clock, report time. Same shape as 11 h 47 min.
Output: 11 h 34 min
